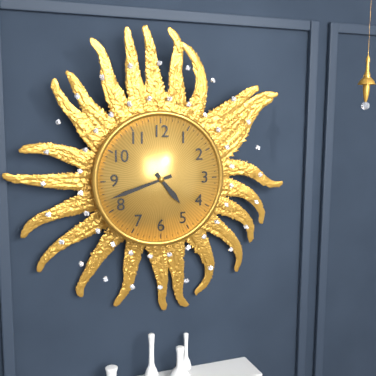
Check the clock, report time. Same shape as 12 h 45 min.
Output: 4 h 42 min
